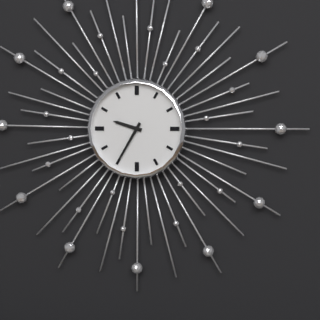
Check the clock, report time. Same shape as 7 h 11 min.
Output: 9 h 35 min
